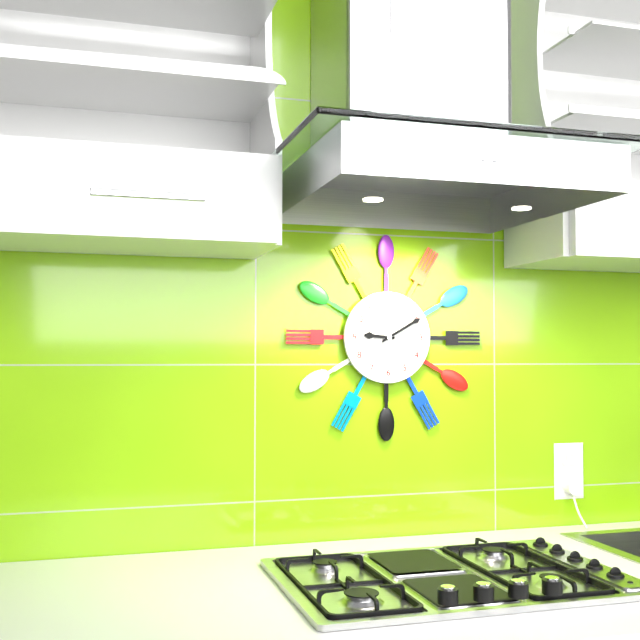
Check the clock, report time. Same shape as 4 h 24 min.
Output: 9 h 10 min
